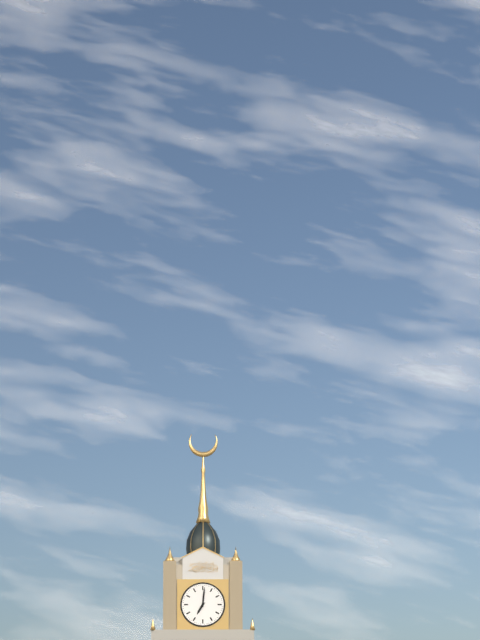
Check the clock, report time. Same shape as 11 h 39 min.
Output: 7 h 01 min
